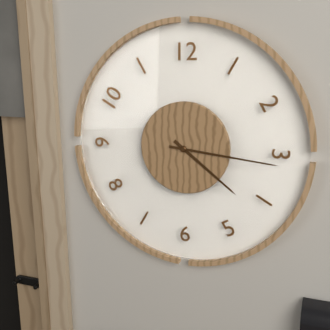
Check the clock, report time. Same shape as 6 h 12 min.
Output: 4 h 16 min
